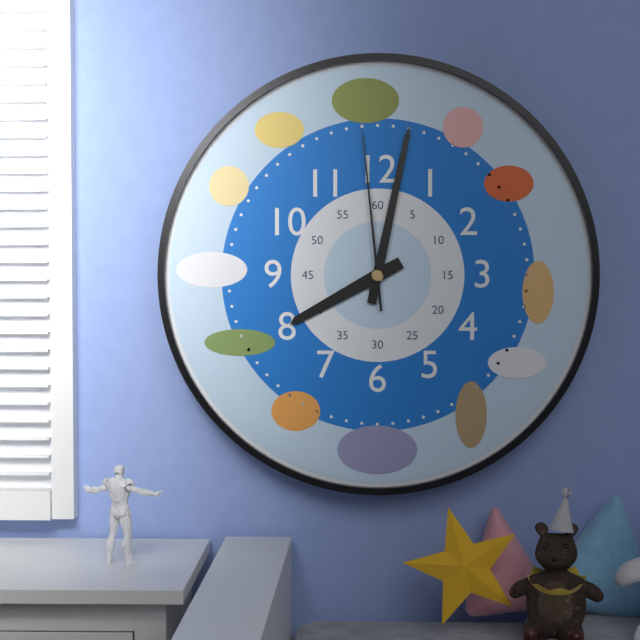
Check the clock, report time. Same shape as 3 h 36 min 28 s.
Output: 8 h 02 min 59 s
